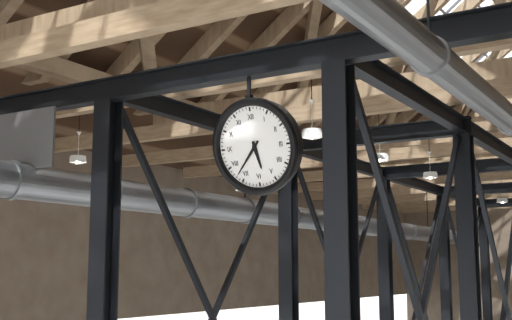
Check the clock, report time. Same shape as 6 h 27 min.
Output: 5 h 37 min
